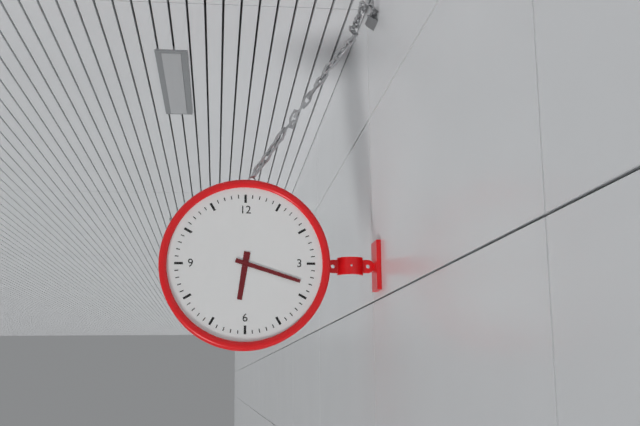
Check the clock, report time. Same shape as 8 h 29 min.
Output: 6 h 18 min
